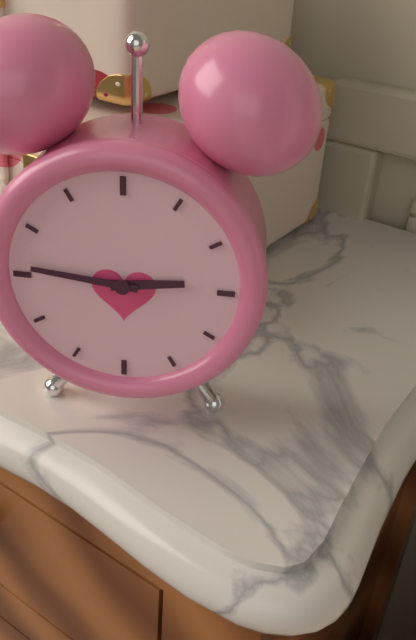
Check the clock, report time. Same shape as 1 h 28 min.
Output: 2 h 46 min
